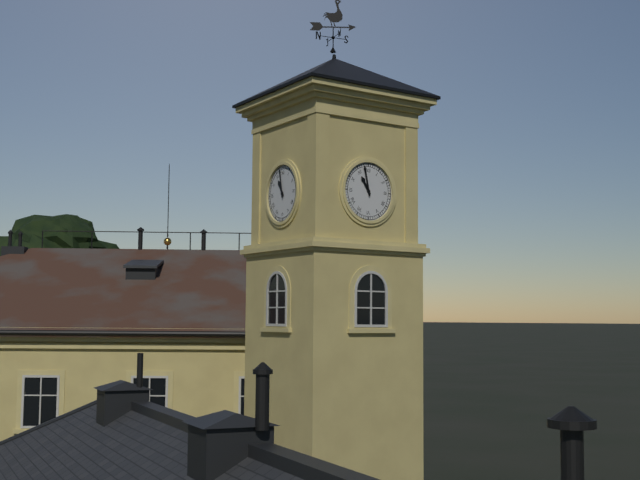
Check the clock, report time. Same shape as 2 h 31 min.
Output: 10 h 58 min
